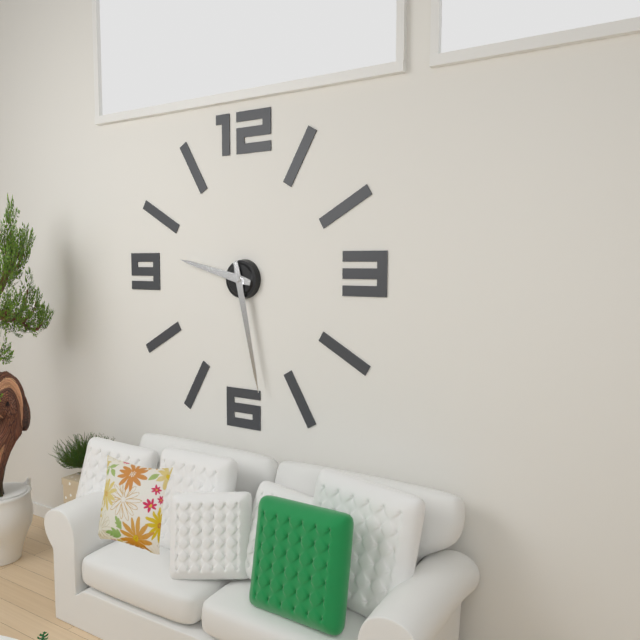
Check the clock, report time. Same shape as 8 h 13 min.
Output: 9 h 28 min
